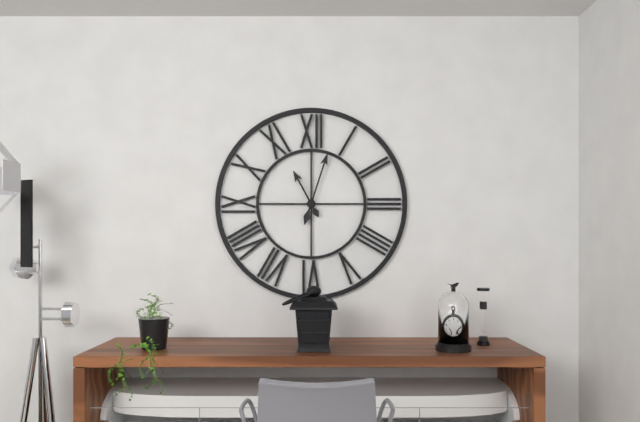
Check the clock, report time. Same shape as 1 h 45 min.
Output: 11 h 03 min
